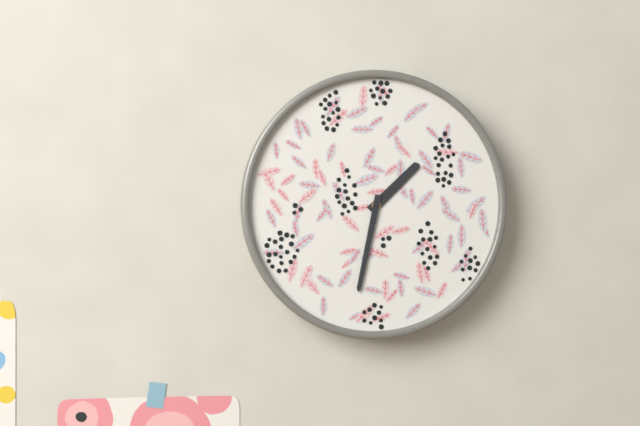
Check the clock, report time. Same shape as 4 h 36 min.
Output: 1 h 32 min
